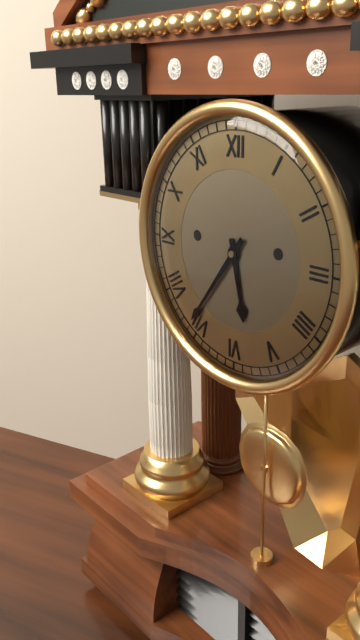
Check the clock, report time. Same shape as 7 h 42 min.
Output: 5 h 36 min
